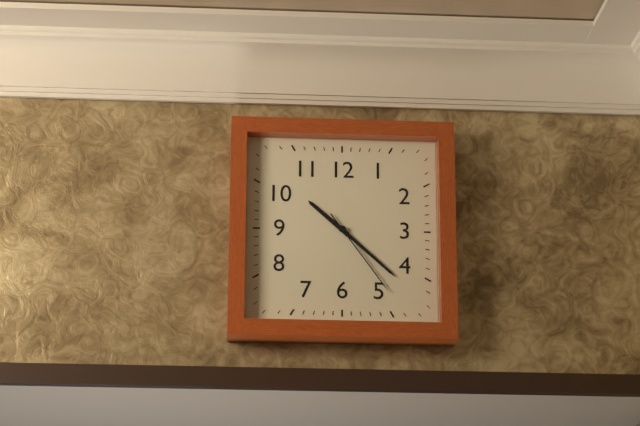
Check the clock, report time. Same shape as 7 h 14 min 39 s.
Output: 10 h 22 min 24 s
